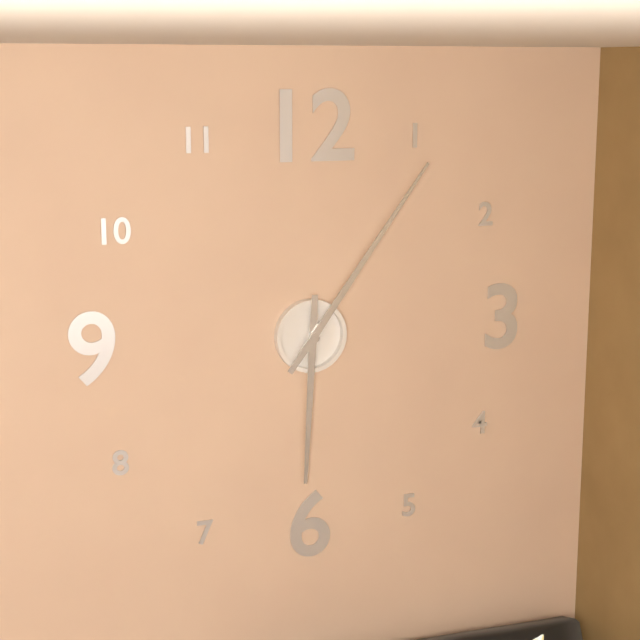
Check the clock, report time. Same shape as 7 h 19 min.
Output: 6 h 06 min
